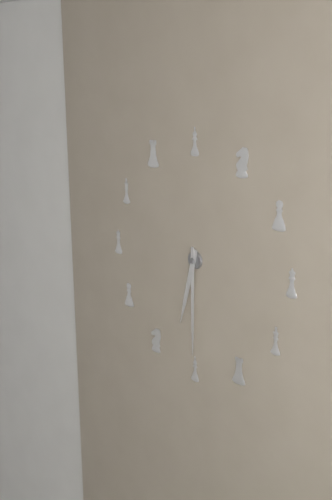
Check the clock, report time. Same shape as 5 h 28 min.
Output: 6 h 30 min
